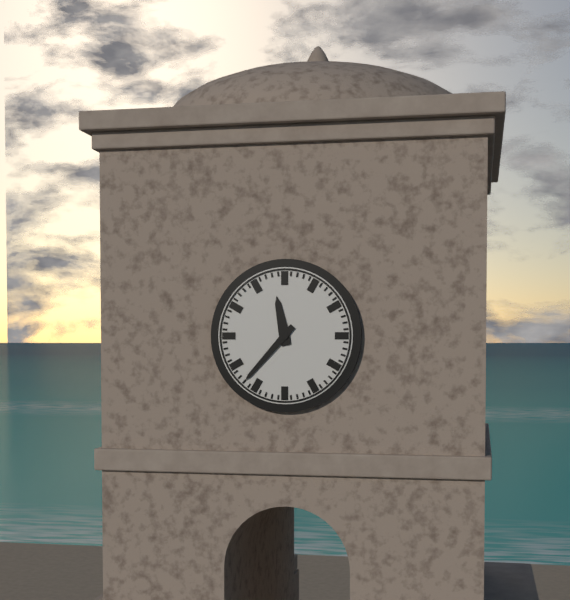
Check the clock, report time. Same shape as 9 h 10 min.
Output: 11 h 37 min
